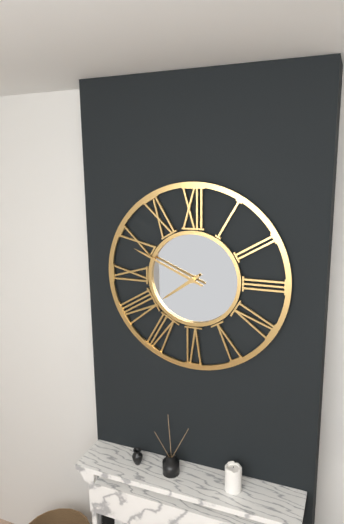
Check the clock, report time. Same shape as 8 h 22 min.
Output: 7 h 49 min
